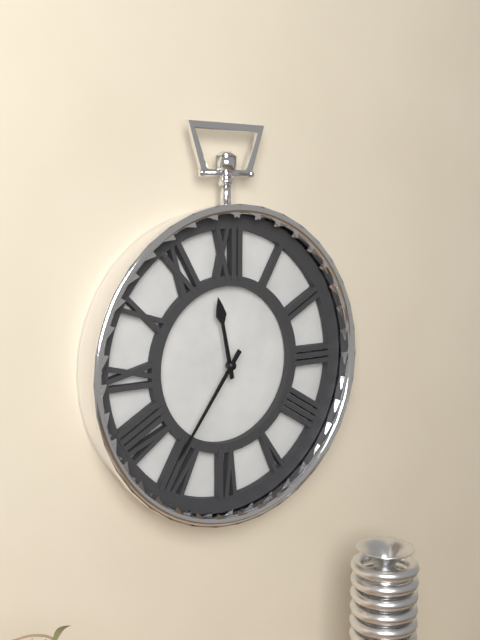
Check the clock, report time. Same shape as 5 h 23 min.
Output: 11 h 36 min
